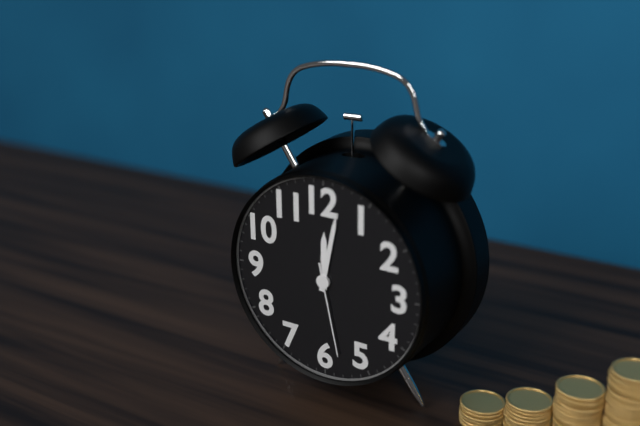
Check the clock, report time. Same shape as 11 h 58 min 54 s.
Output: 12 h 02 min 28 s
